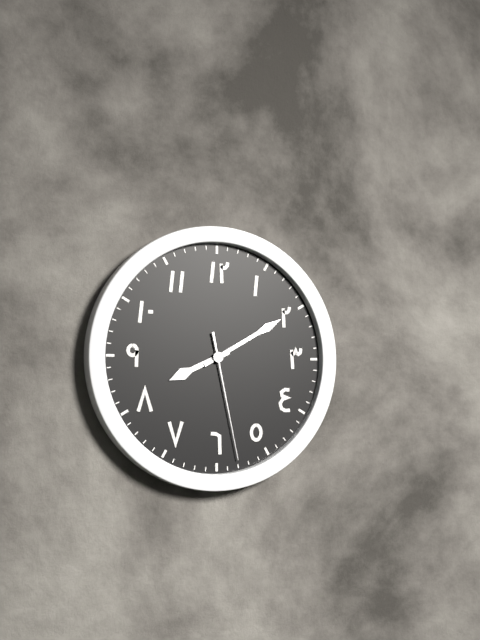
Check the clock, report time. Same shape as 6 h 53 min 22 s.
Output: 8 h 10 min 28 s
